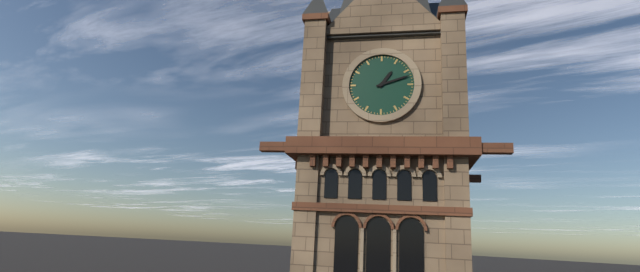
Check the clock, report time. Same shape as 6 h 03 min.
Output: 1 h 12 min
